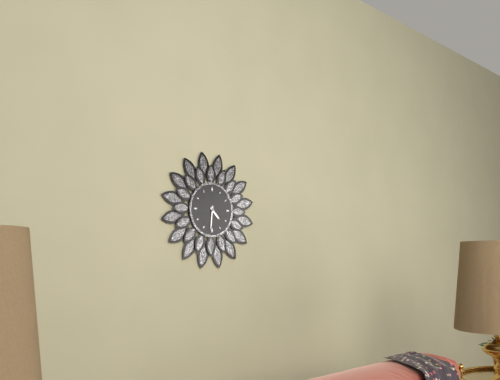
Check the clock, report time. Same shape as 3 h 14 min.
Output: 4 h 31 min
